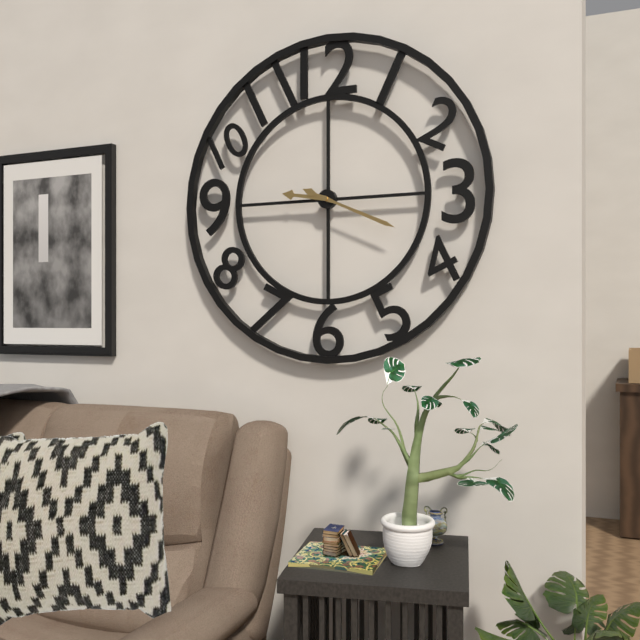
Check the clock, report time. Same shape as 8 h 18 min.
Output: 9 h 19 min
